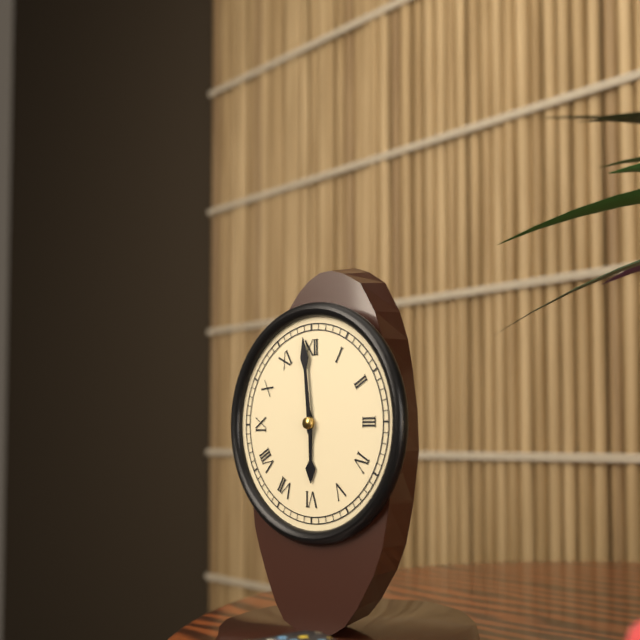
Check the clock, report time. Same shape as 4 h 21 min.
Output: 5 h 59 min
